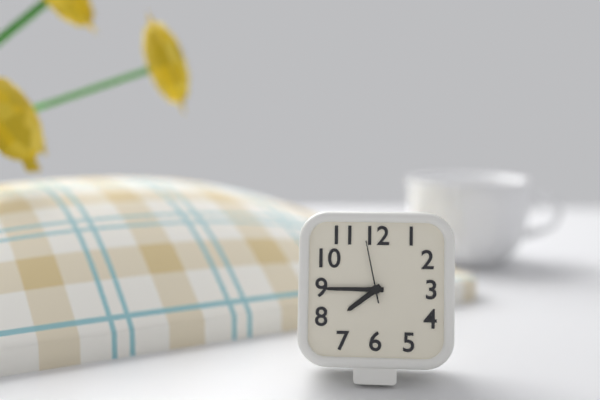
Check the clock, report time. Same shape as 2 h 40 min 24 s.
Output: 7 h 45 min 58 s
